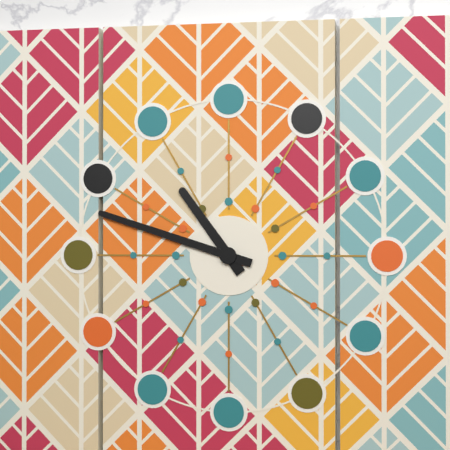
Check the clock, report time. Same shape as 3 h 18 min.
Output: 10 h 48 min
